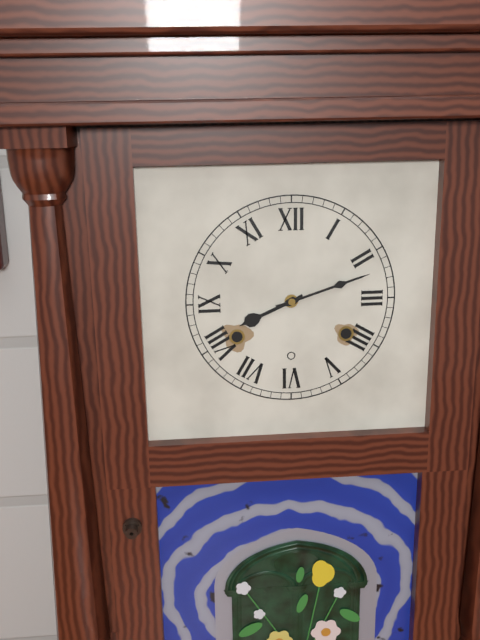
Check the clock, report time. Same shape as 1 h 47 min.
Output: 8 h 12 min
